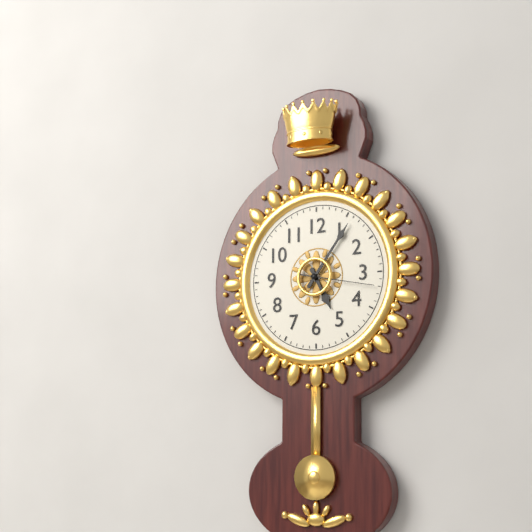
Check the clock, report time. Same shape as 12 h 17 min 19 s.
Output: 5 h 06 min 17 s
